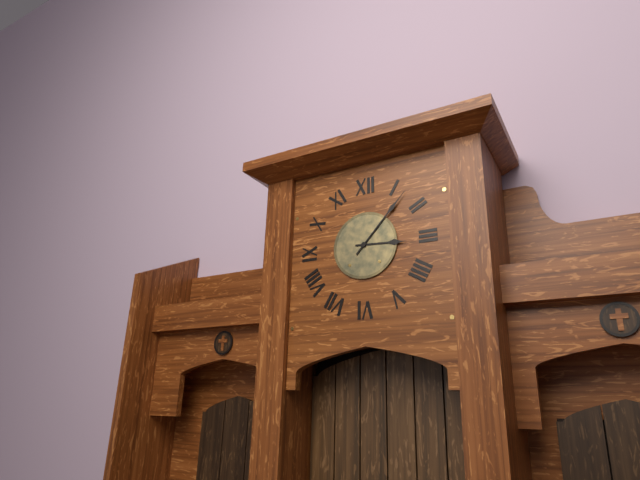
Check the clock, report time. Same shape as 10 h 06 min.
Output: 3 h 07 min
